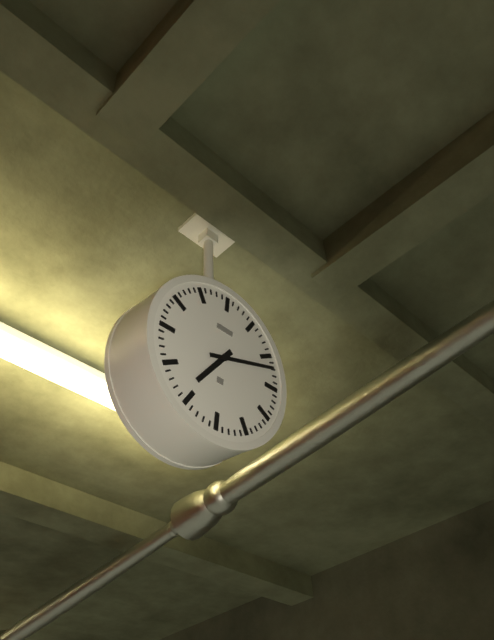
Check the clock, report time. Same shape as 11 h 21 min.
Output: 7 h 12 min
